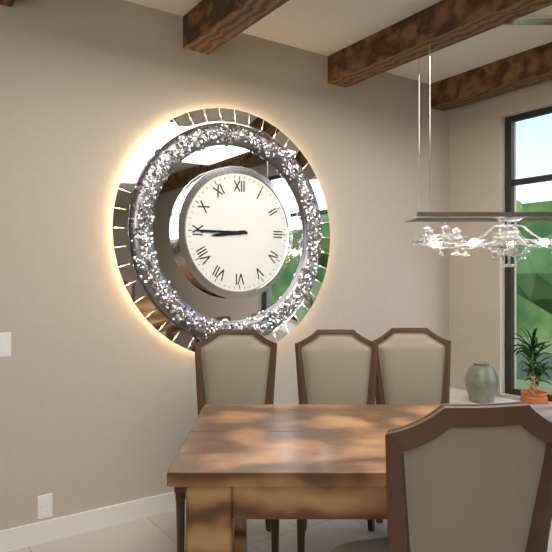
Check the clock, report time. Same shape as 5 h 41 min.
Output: 8 h 45 min
